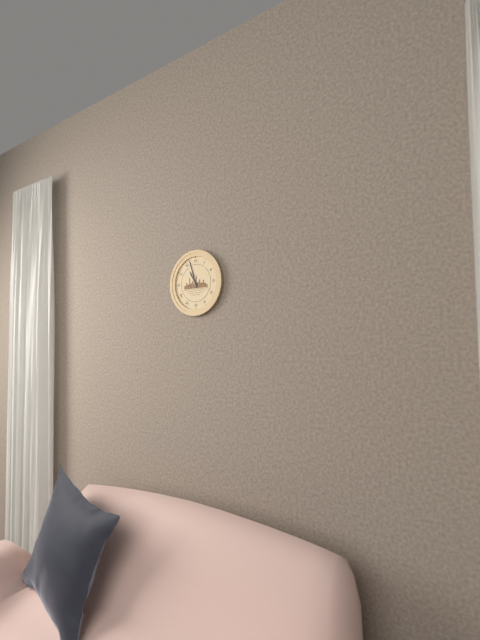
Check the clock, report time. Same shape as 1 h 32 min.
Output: 10 h 57 min
